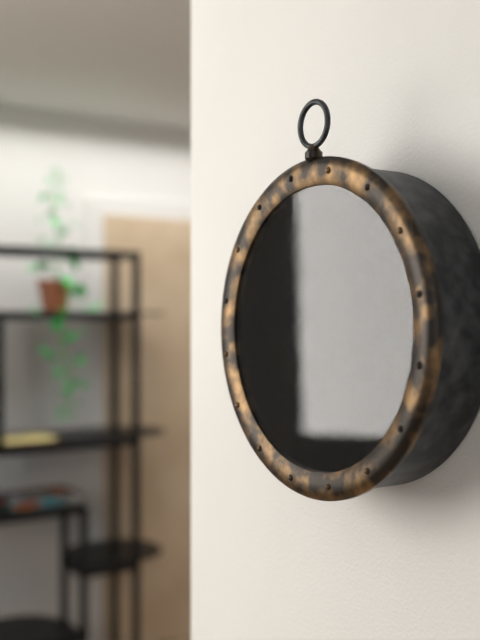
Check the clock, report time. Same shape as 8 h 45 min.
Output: 5 h 48 min
